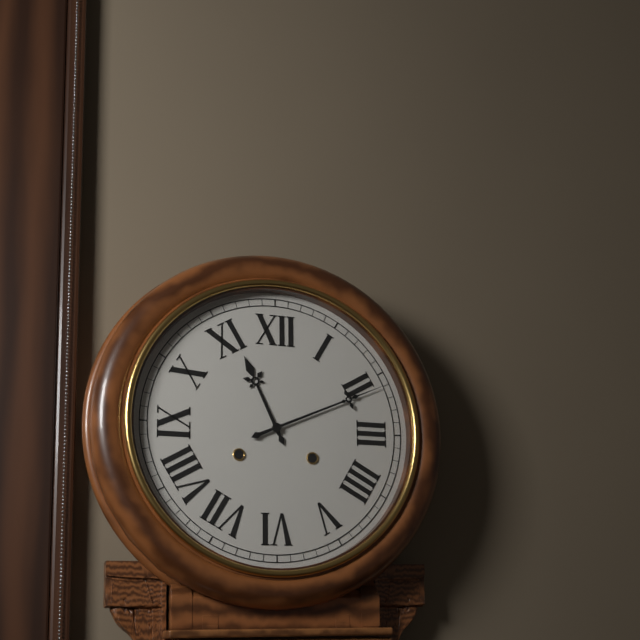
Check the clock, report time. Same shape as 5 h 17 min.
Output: 11 h 11 min
